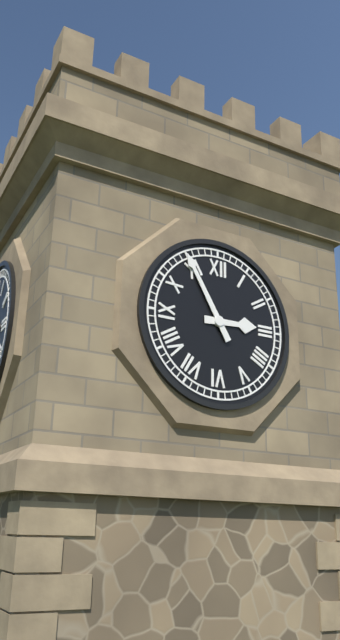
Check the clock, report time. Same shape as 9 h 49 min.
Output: 2 h 55 min
